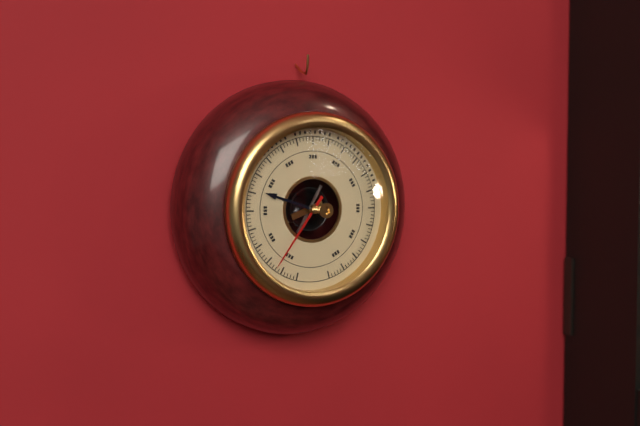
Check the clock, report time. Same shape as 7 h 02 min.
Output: 9 h 36 min
